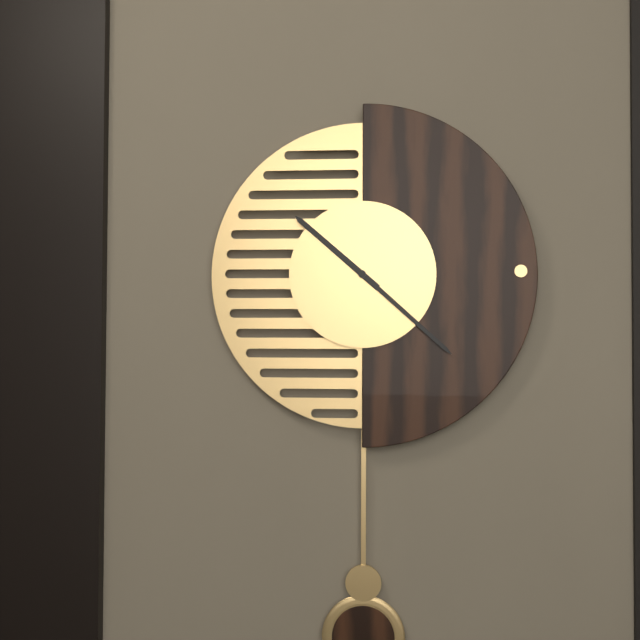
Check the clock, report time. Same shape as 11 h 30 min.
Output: 10 h 22 min
